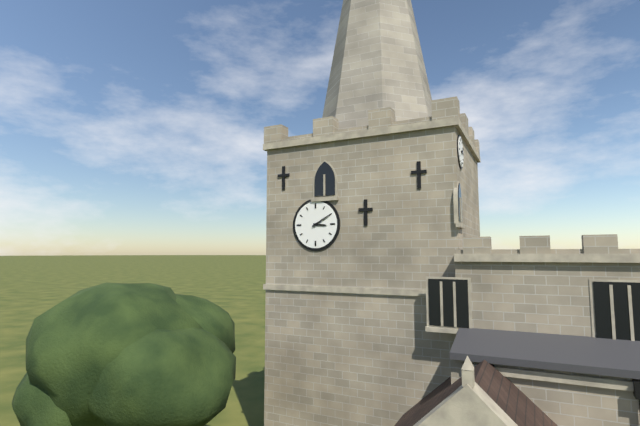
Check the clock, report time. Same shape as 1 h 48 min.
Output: 3 h 10 min
